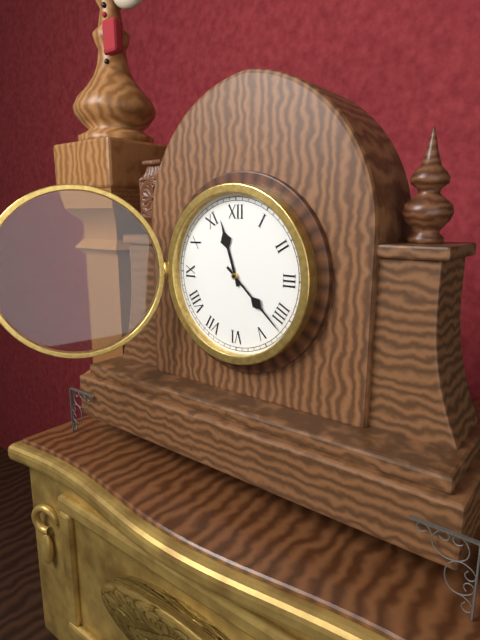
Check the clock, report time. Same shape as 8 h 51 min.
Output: 11 h 22 min
